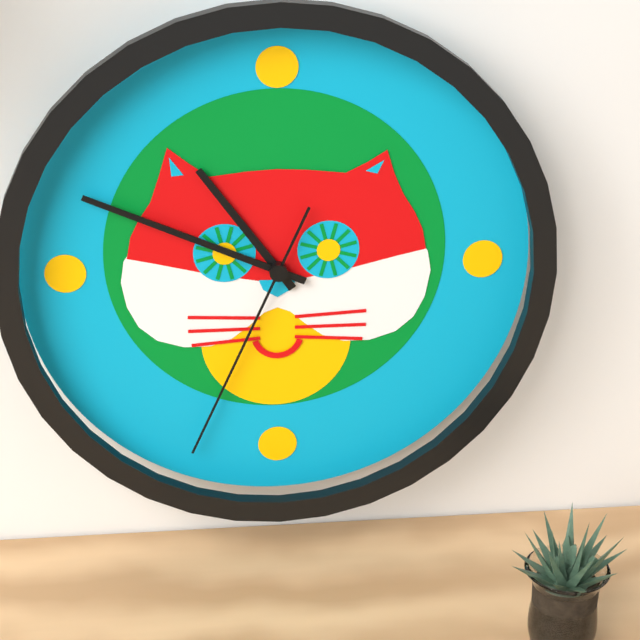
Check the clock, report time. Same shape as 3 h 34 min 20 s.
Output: 10 h 49 min 34 s
